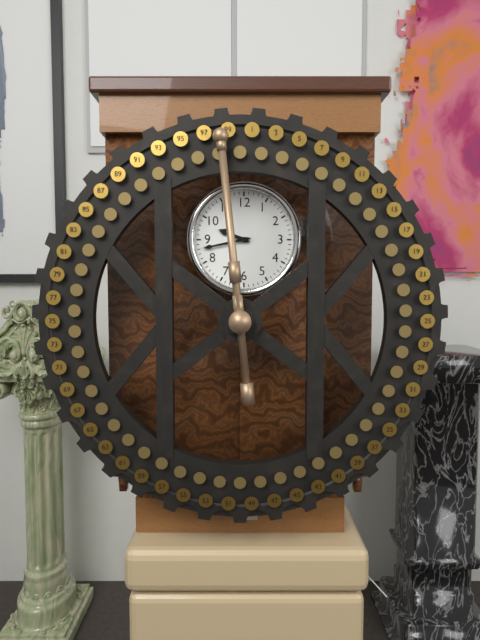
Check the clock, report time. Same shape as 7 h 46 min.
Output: 9 h 43 min
